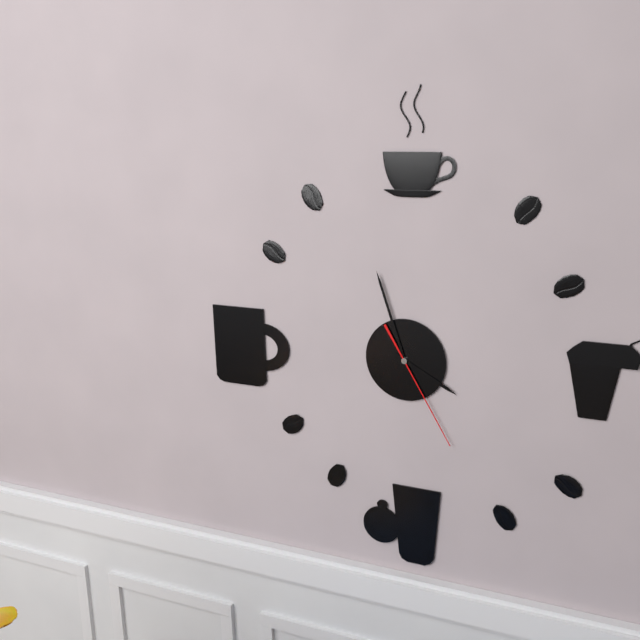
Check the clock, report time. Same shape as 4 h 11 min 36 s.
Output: 3 h 57 min 25 s
